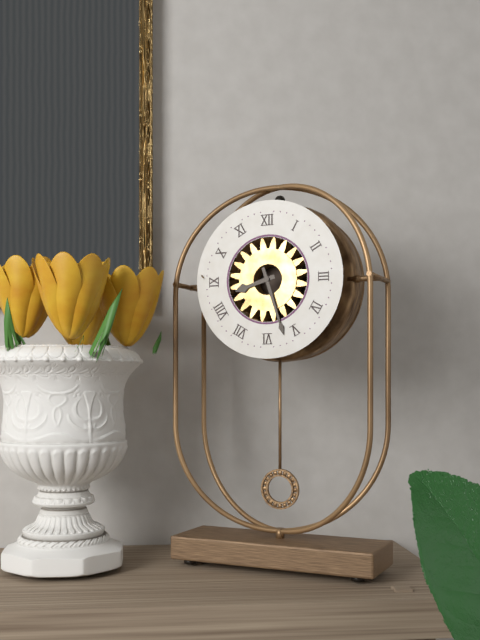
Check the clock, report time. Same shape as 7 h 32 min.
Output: 8 h 27 min
